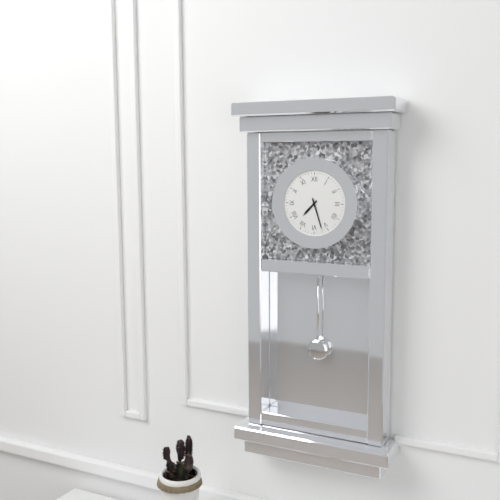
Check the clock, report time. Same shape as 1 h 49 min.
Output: 7 h 27 min
